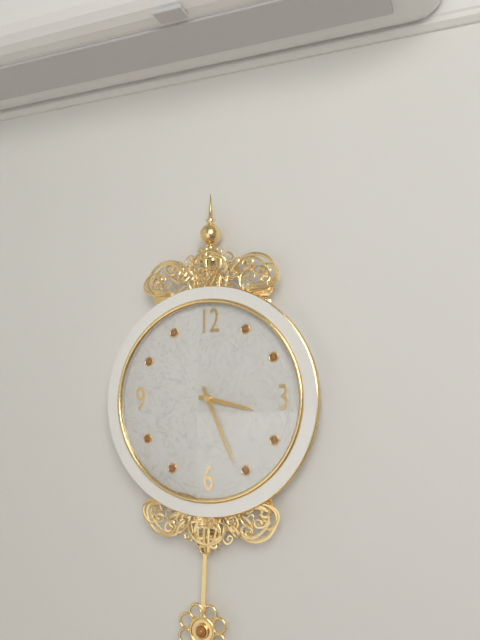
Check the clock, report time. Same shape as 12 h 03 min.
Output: 3 h 26 min
